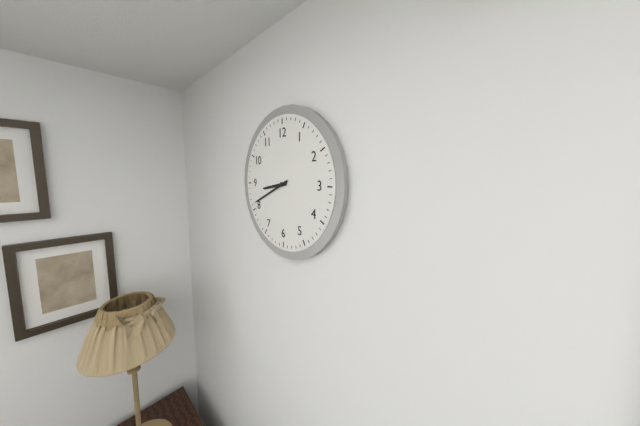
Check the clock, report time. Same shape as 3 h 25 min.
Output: 8 h 41 min
